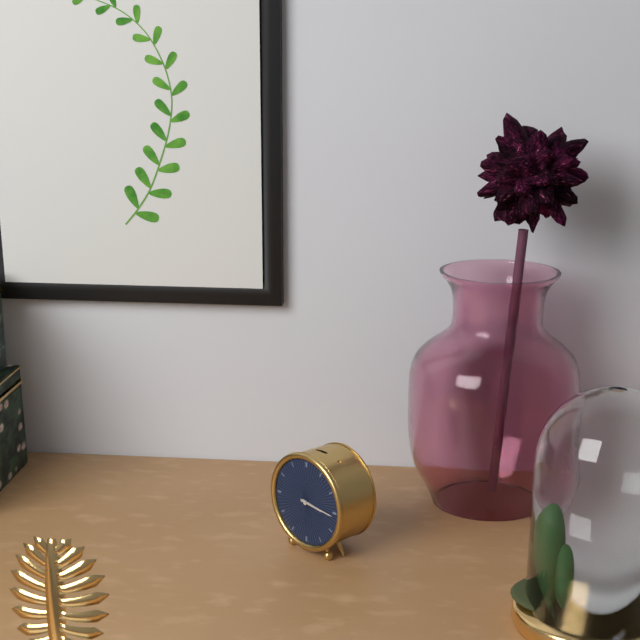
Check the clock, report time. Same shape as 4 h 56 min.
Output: 3 h 16 min
